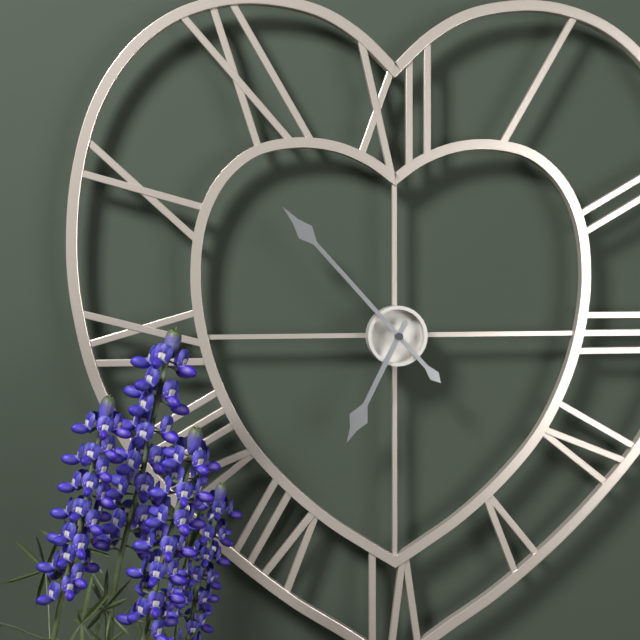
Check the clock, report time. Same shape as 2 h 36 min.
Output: 6 h 53 min
